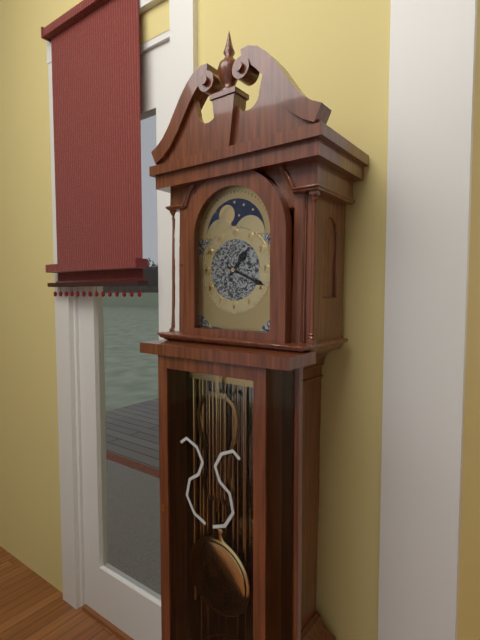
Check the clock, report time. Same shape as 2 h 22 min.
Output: 1 h 19 min
